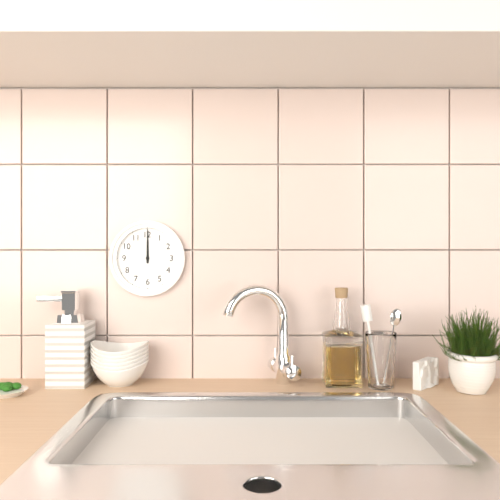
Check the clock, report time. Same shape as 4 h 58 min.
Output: 12 h 00 min
